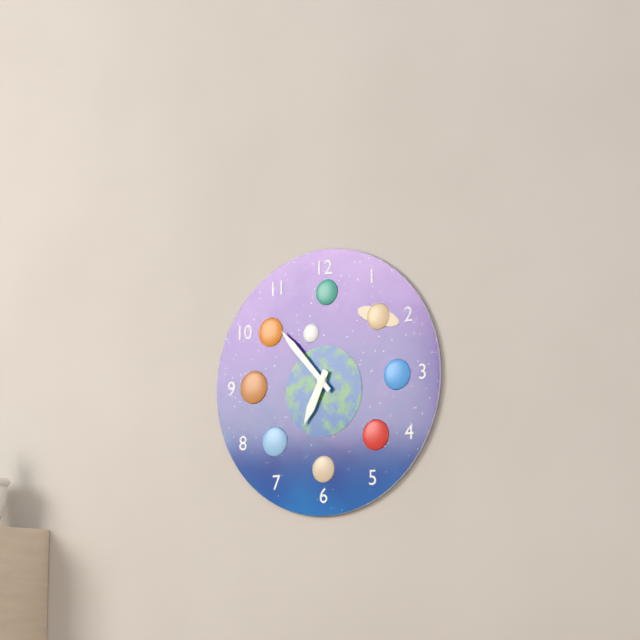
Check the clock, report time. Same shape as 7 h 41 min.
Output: 6 h 53 min
